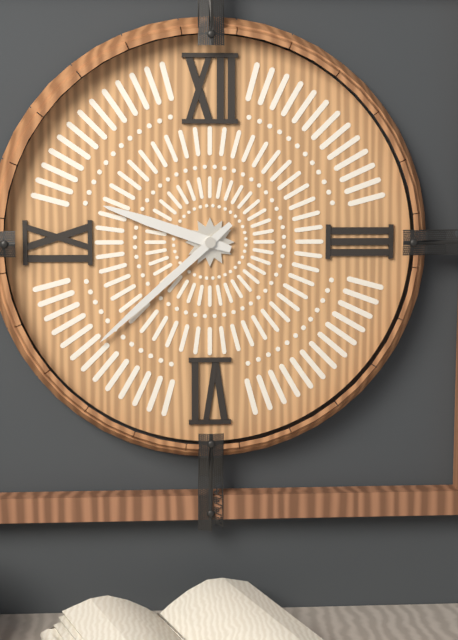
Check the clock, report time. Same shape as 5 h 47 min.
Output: 9 h 38 min
